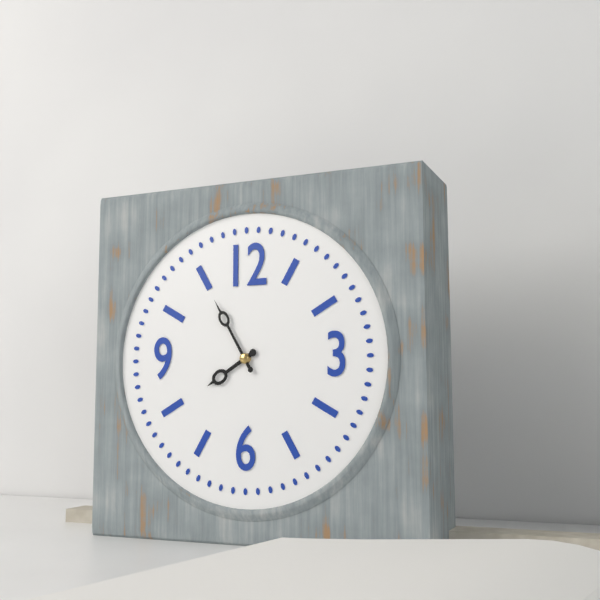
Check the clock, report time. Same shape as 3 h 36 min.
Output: 7 h 55 min
